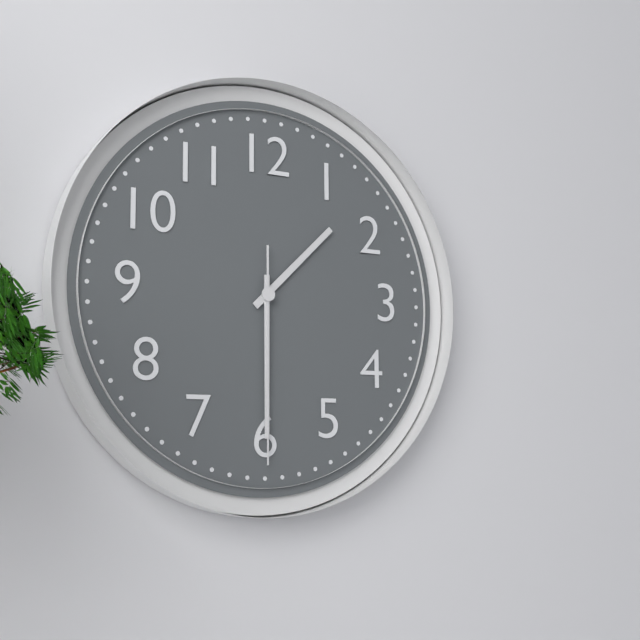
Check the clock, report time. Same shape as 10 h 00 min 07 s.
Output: 1 h 30 min 30 s
